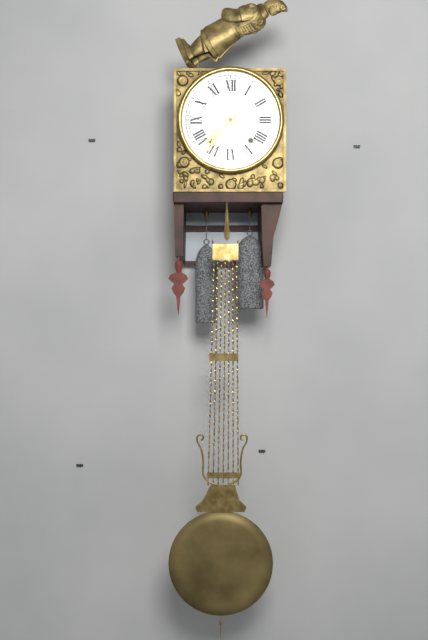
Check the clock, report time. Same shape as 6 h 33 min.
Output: 7 h 36 min
